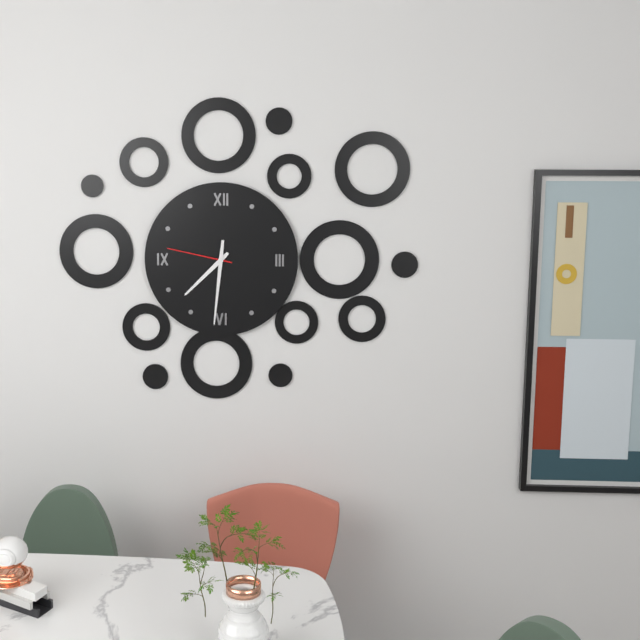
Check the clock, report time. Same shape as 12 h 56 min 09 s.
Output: 7 h 31 min 47 s
